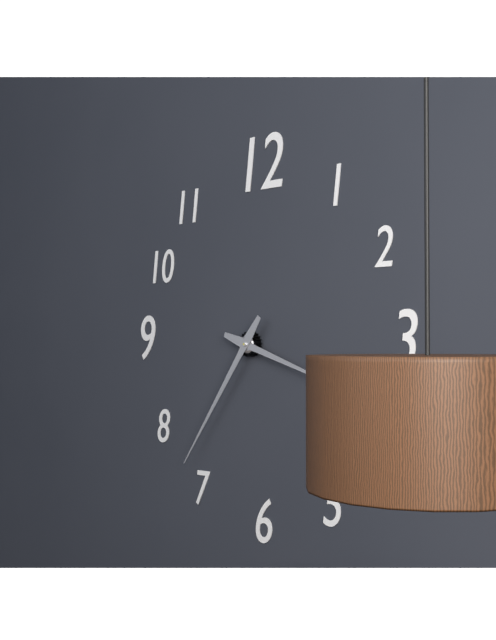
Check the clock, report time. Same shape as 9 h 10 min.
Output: 3 h 36 min
